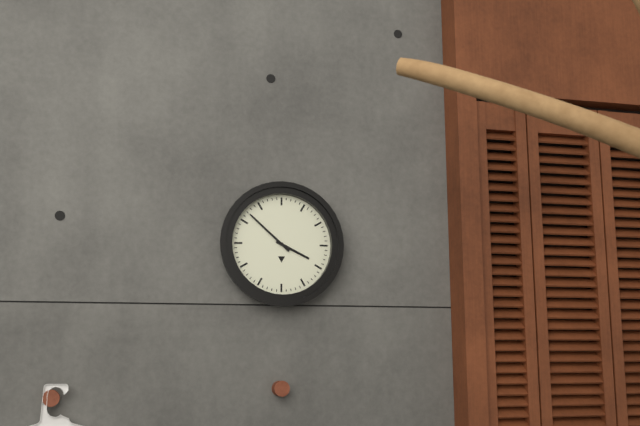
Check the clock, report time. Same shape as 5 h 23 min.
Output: 3 h 52 min
